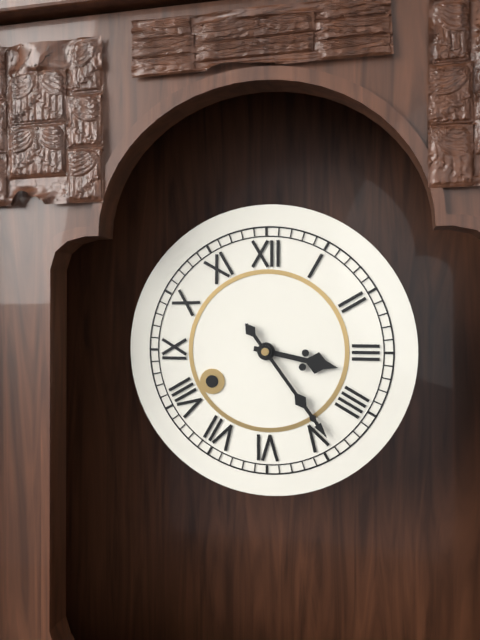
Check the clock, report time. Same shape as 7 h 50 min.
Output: 3 h 24 min
